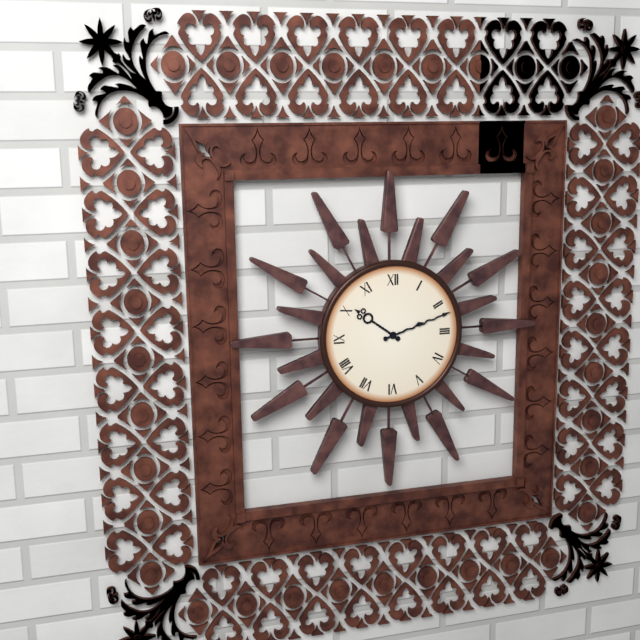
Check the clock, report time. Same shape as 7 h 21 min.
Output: 10 h 12 min
